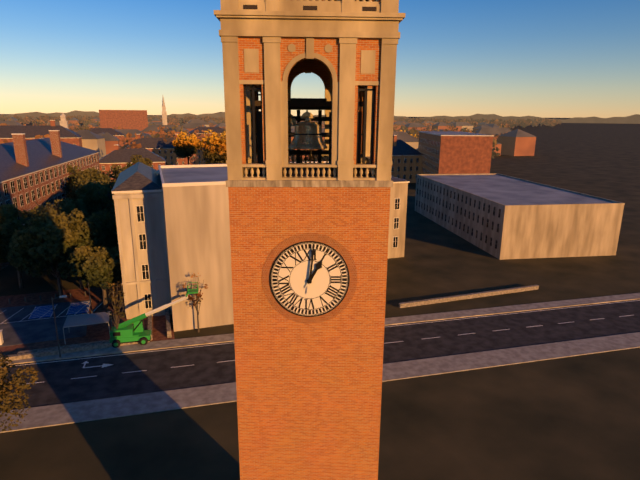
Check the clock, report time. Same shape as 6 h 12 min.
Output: 1 h 01 min
